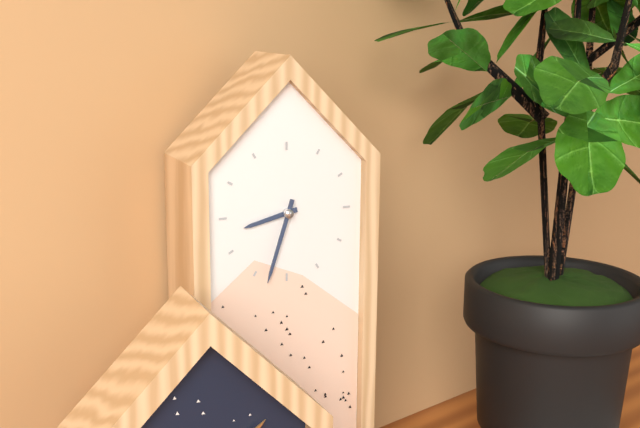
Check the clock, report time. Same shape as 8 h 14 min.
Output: 8 h 33 min
